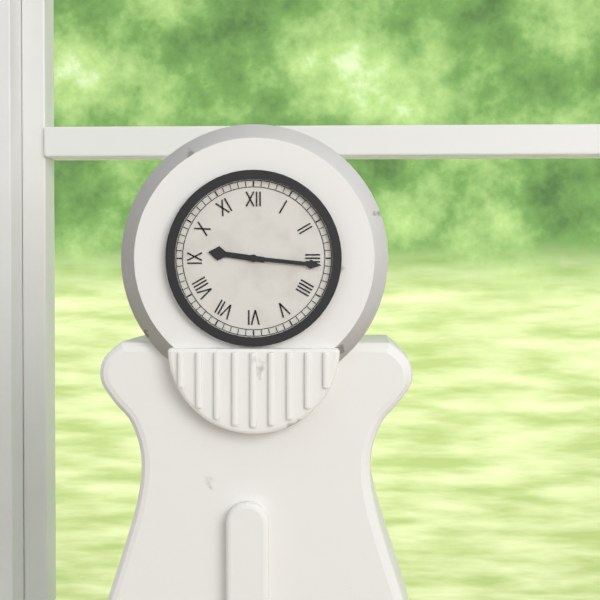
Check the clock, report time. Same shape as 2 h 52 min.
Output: 9 h 16 min
